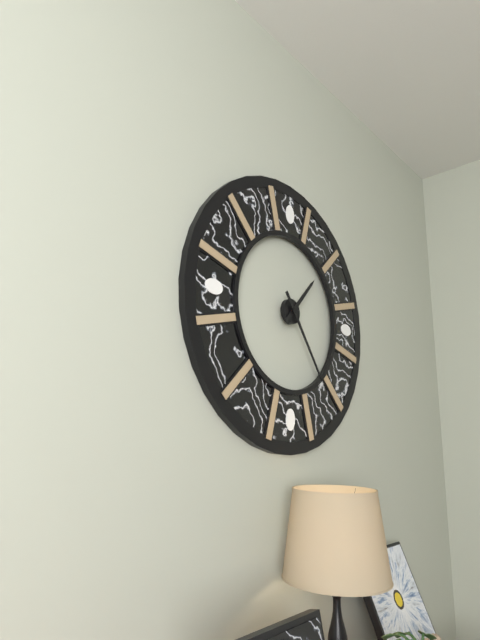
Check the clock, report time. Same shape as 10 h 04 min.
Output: 1 h 24 min
